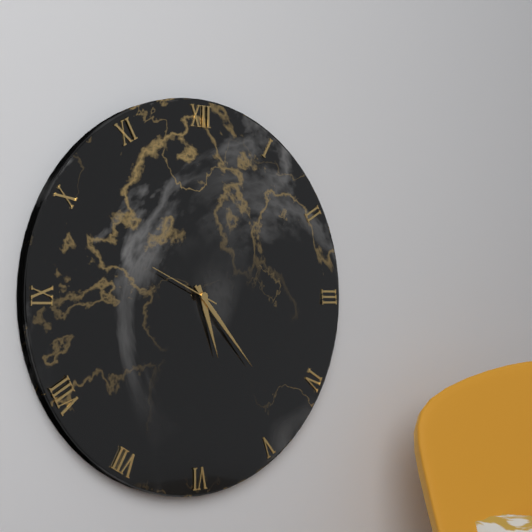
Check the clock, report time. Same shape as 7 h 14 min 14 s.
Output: 5 h 23 min 49 s
